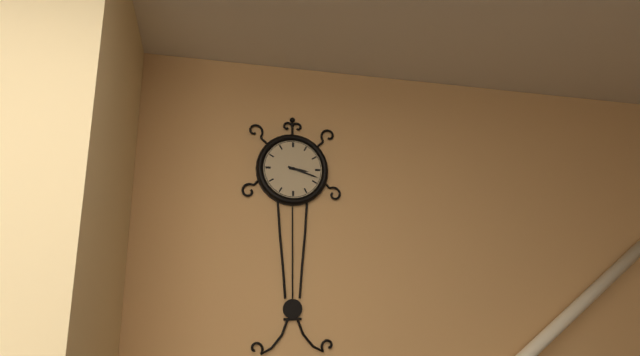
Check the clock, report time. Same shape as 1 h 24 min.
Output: 3 h 18 min
